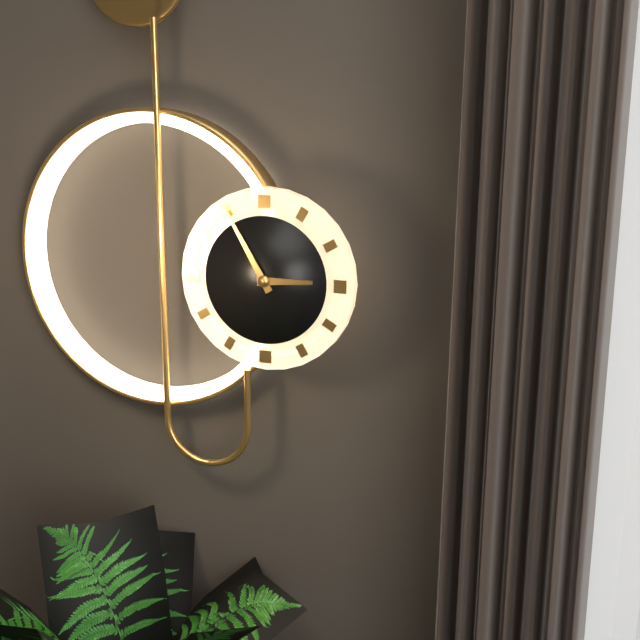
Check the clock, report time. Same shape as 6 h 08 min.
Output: 2 h 55 min
